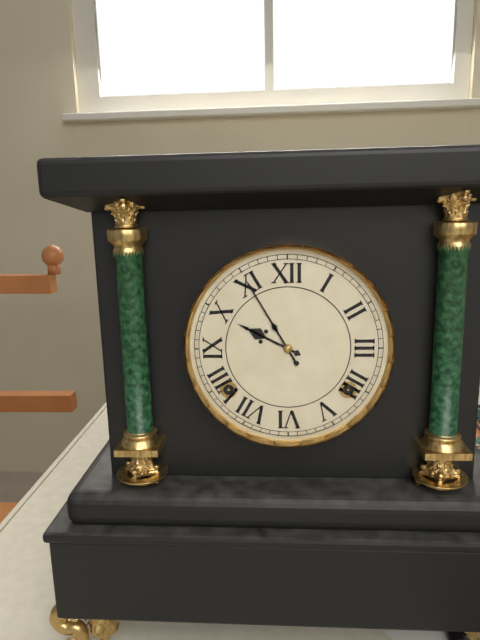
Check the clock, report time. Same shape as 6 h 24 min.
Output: 9 h 55 min
